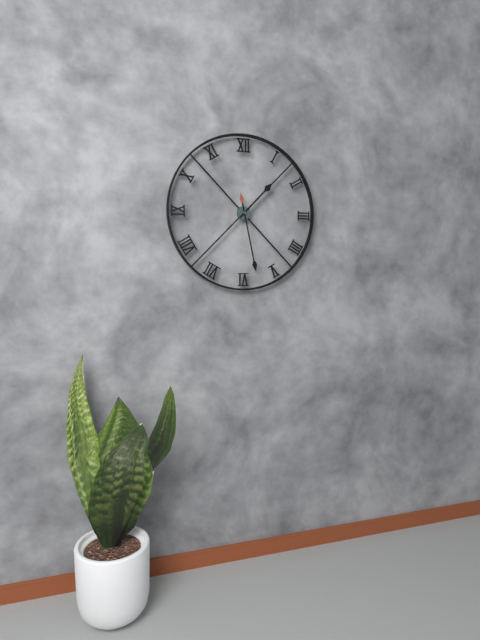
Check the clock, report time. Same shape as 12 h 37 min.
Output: 1 h 28 min
